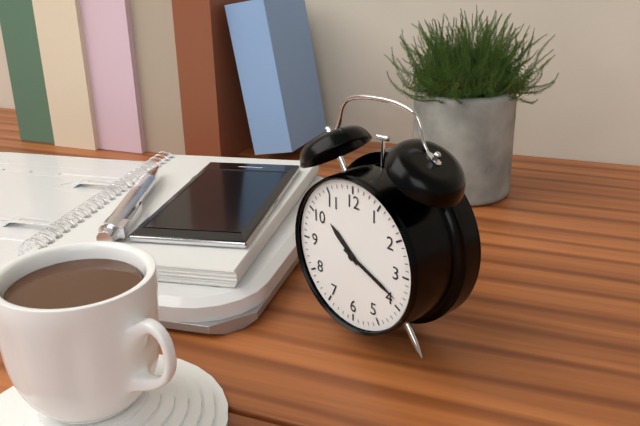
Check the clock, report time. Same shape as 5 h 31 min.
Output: 10 h 19 min
